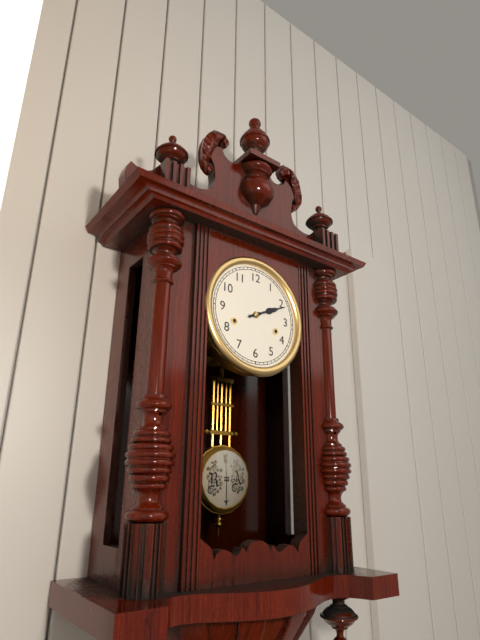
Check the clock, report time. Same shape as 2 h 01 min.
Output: 2 h 11 min
